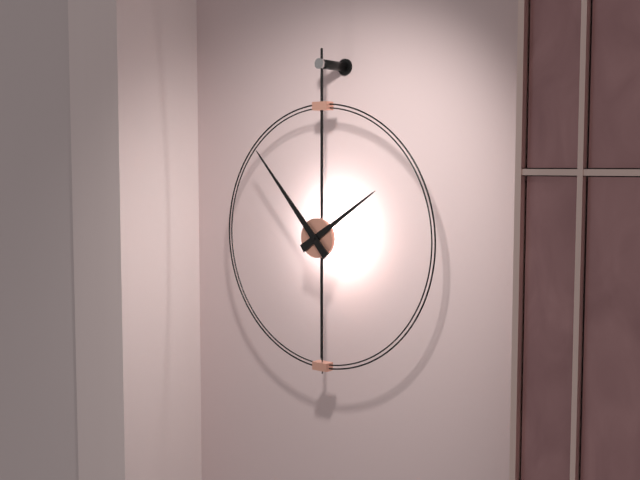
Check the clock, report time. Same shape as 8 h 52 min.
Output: 1 h 53 min
